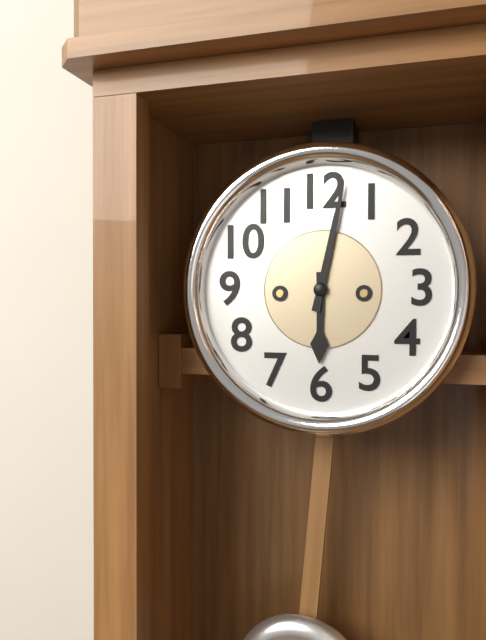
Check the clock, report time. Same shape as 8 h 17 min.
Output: 6 h 02 min
